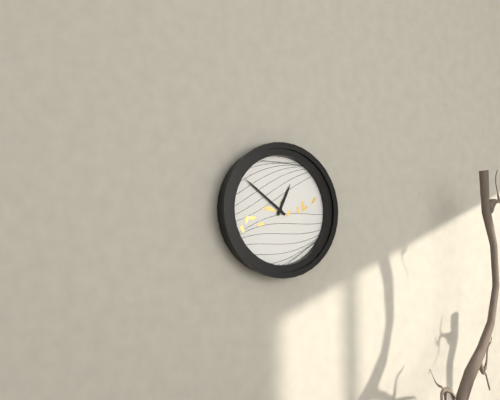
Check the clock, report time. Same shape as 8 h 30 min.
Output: 12 h 51 min
